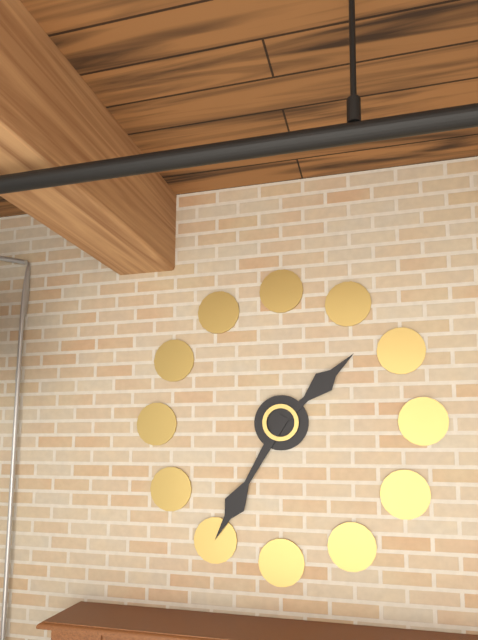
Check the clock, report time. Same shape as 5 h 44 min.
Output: 1 h 35 min
